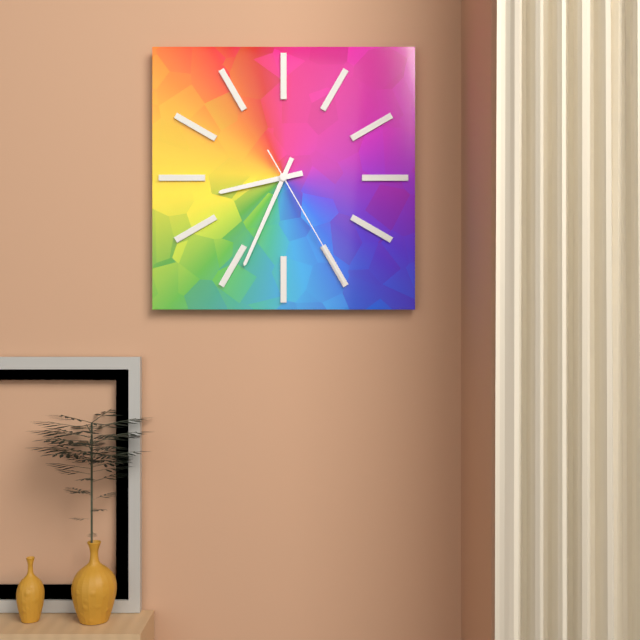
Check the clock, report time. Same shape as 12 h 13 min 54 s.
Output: 8 h 34 min 25 s
